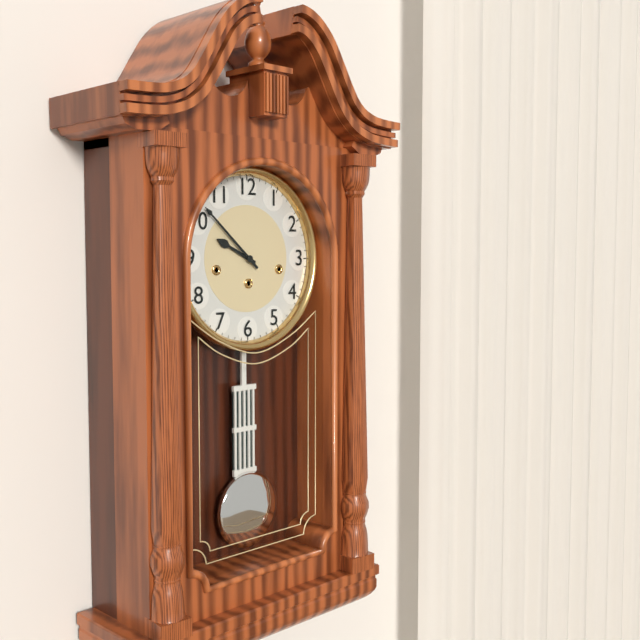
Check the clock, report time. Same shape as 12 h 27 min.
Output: 9 h 52 min
